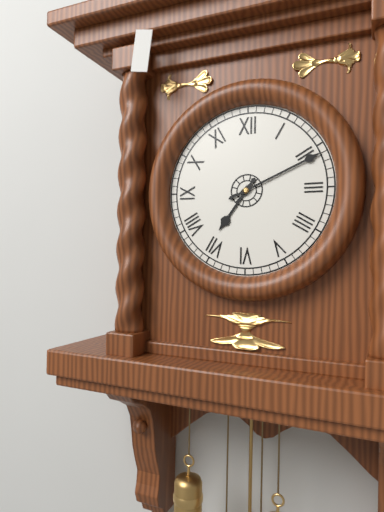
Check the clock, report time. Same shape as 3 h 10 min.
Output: 7 h 11 min
